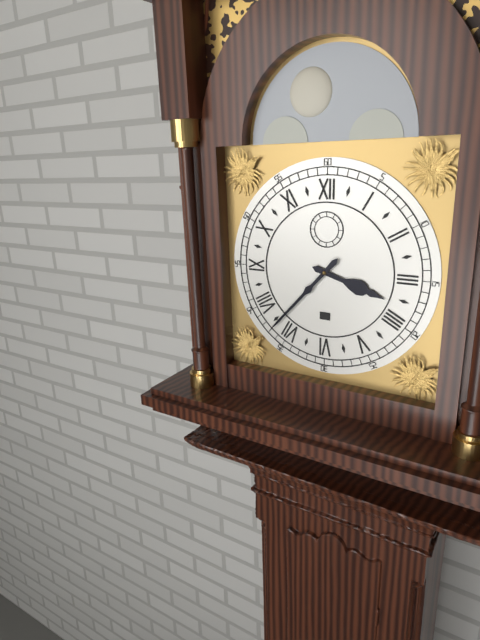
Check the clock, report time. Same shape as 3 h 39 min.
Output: 3 h 37 min
